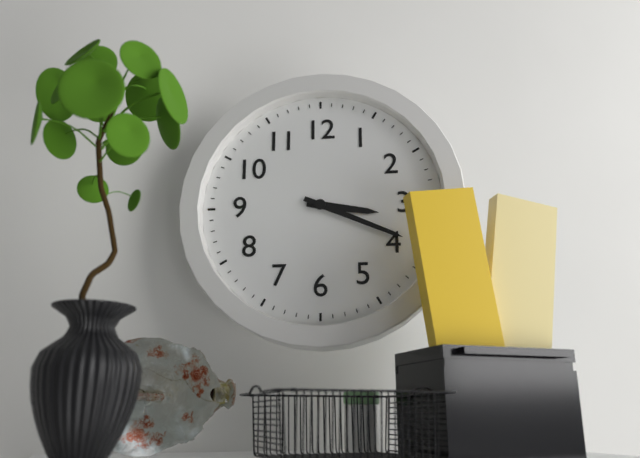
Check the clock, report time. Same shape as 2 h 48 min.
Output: 3 h 19 min
